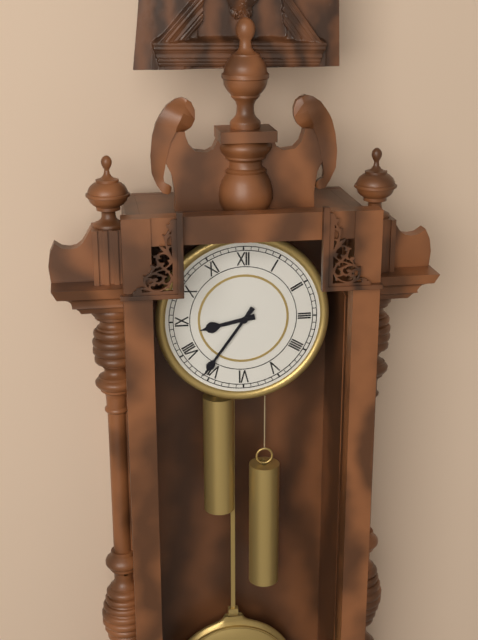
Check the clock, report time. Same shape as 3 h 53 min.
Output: 8 h 36 min
